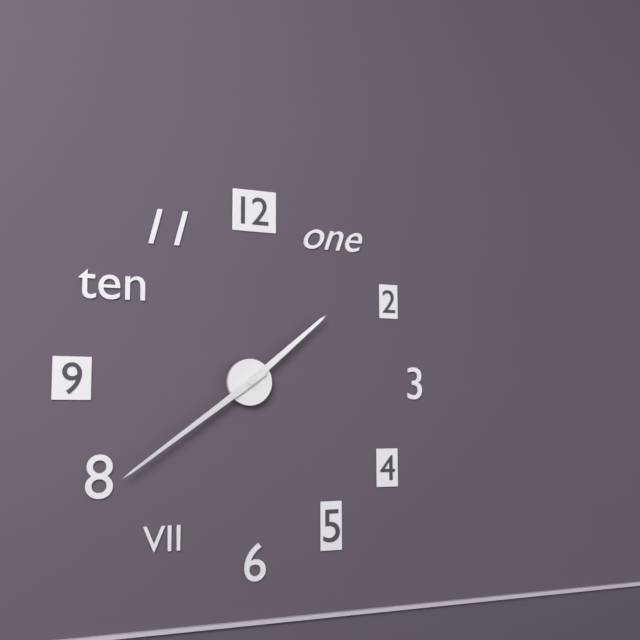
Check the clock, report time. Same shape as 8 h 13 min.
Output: 1 h 39 min
